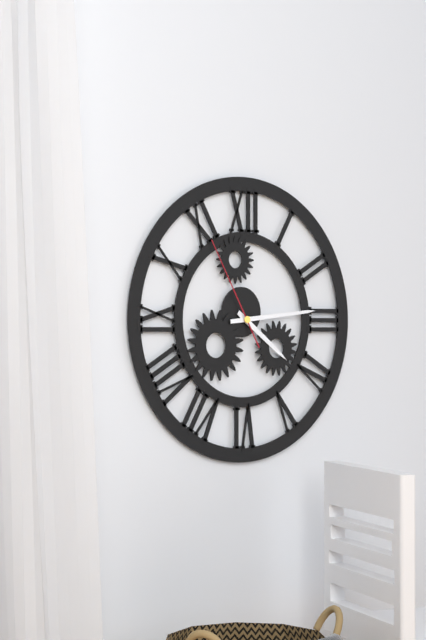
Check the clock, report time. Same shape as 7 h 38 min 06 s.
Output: 4 h 14 min 55 s
